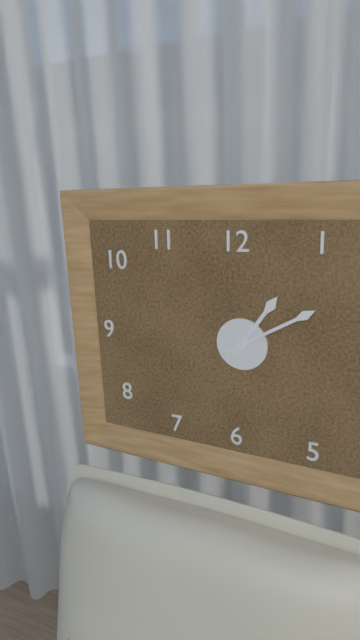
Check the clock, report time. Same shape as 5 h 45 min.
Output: 1 h 10 min
